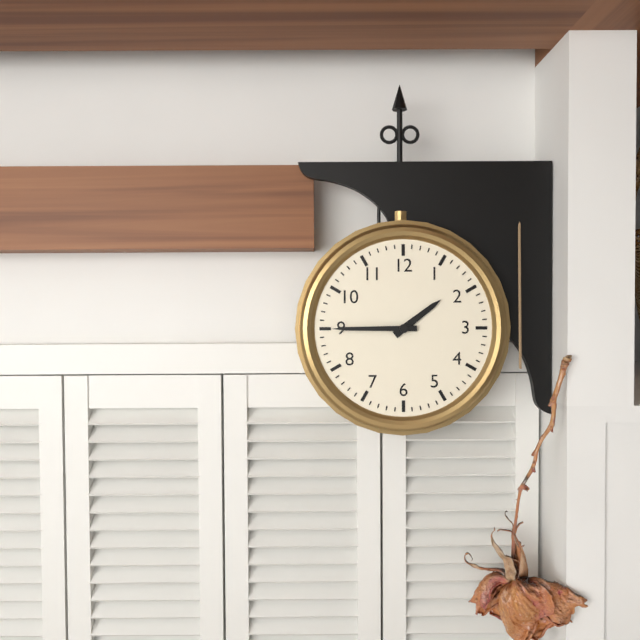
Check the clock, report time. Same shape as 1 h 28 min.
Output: 1 h 45 min
